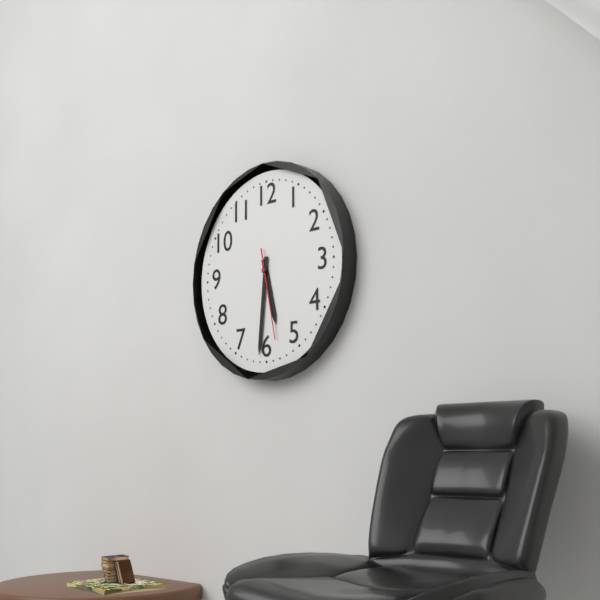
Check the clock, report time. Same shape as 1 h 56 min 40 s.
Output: 5 h 31 min 28 s
